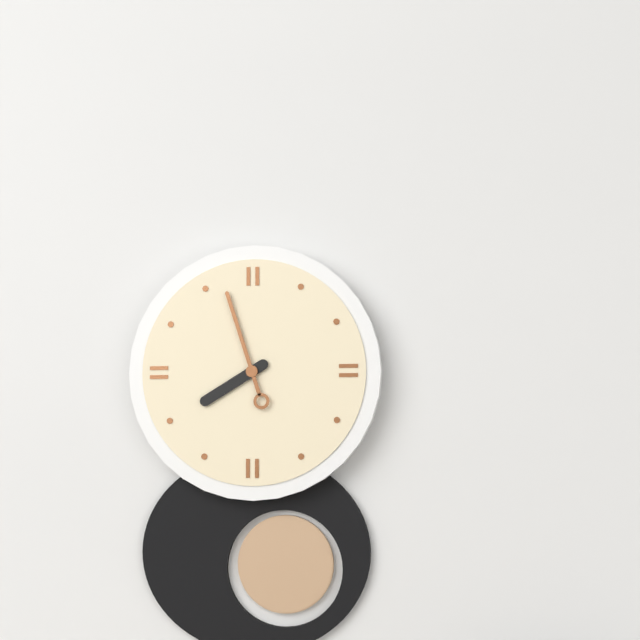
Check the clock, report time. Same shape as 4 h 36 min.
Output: 7 h 57 min
